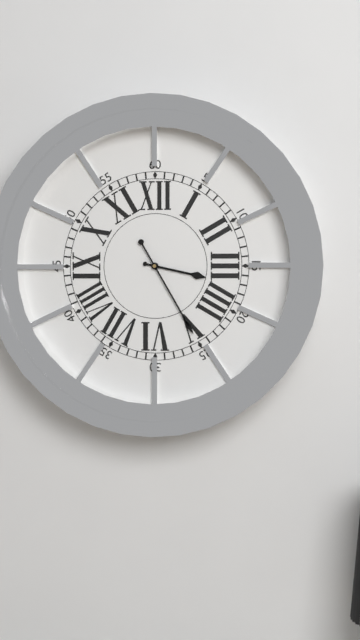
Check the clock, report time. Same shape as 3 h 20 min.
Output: 3 h 25 min
